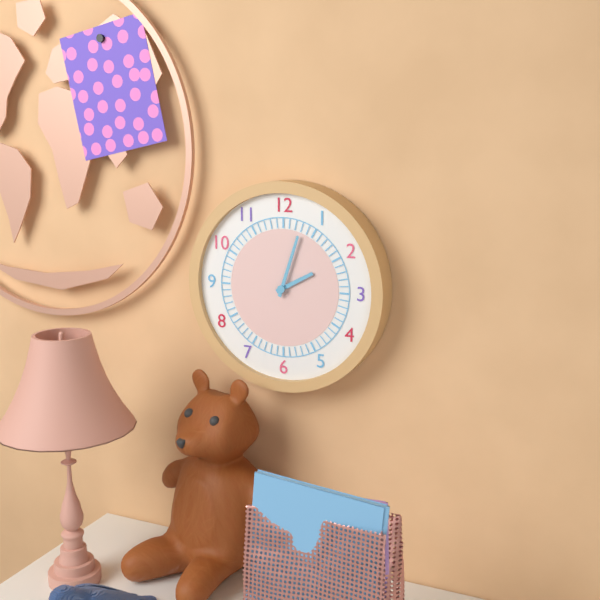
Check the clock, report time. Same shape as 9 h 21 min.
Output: 2 h 03 min
